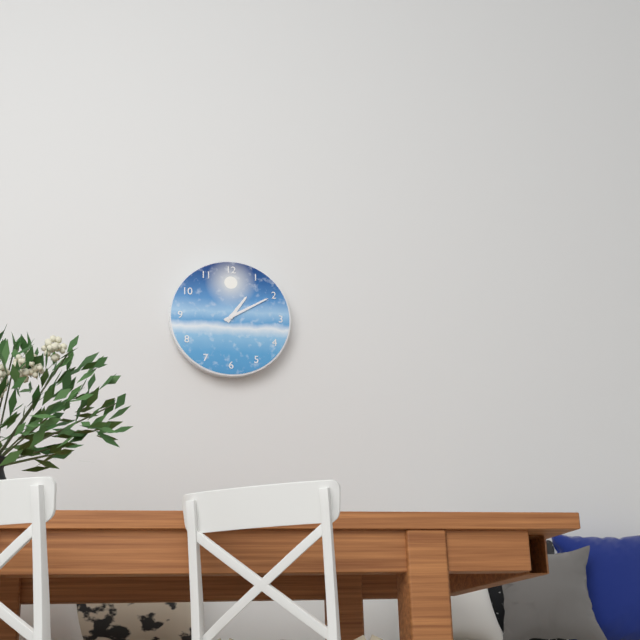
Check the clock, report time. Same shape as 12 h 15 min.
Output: 1 h 10 min
